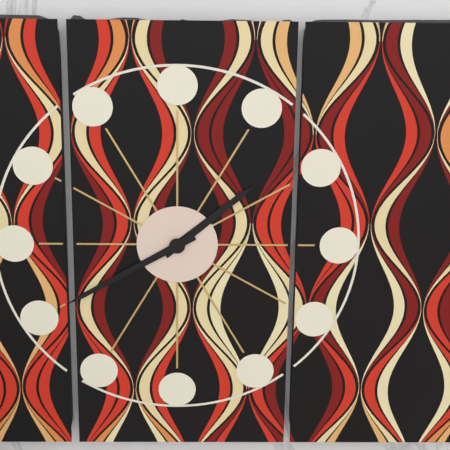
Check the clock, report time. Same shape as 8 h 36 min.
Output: 1 h 40 min
